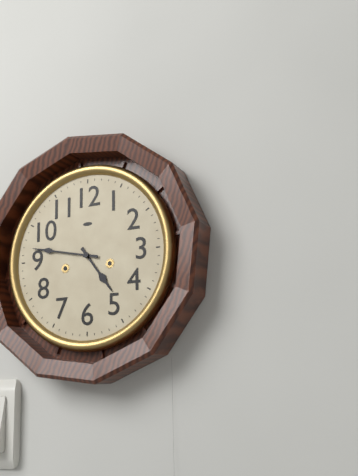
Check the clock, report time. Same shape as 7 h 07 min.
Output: 4 h 47 min
